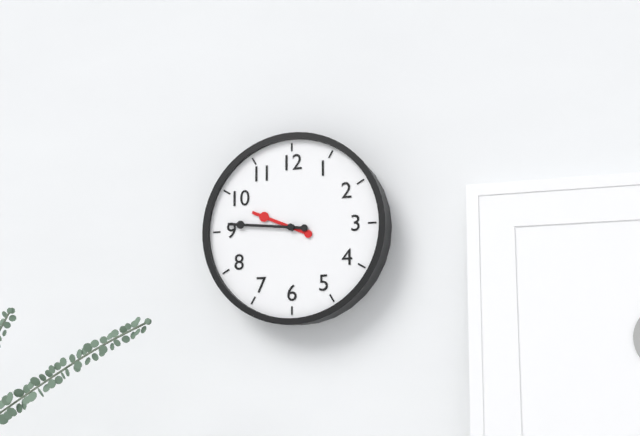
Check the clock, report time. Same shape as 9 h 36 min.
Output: 9 h 46 min
